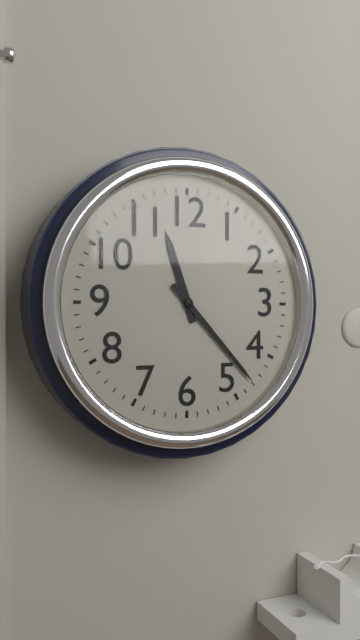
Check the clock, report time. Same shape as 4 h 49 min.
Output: 11 h 23 min
